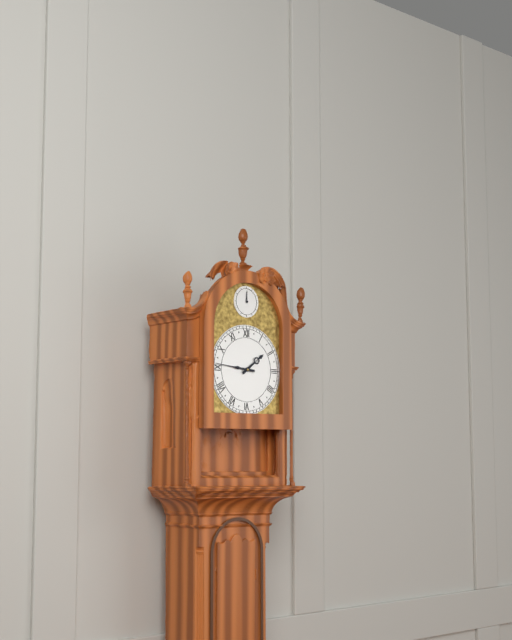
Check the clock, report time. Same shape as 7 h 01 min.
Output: 1 h 46 min
